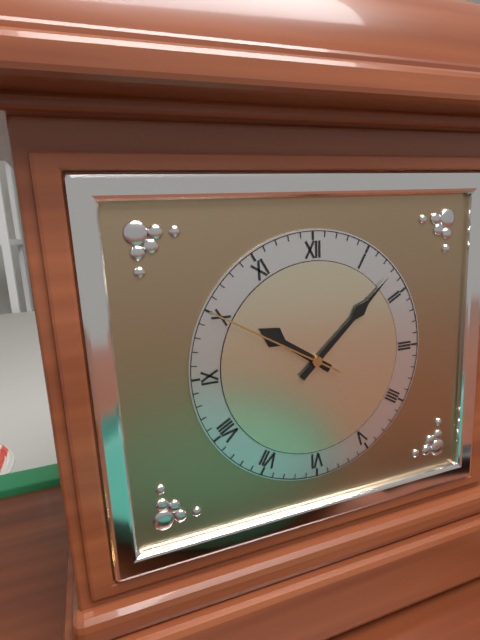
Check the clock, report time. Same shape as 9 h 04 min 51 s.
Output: 10 h 08 min 50 s
